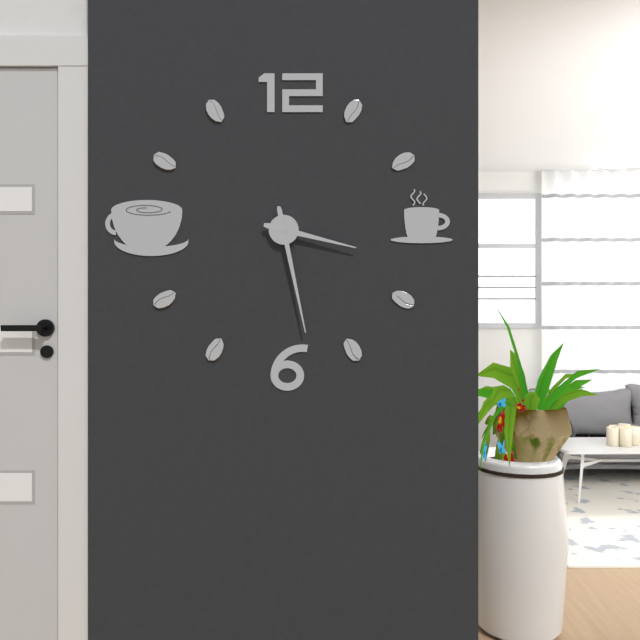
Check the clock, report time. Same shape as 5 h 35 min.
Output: 3 h 28 min
